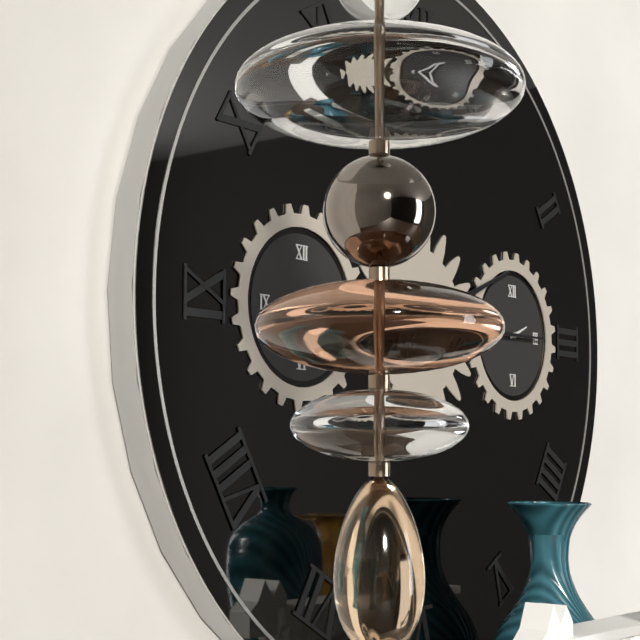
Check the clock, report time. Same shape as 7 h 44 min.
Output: 2 h 15 min
